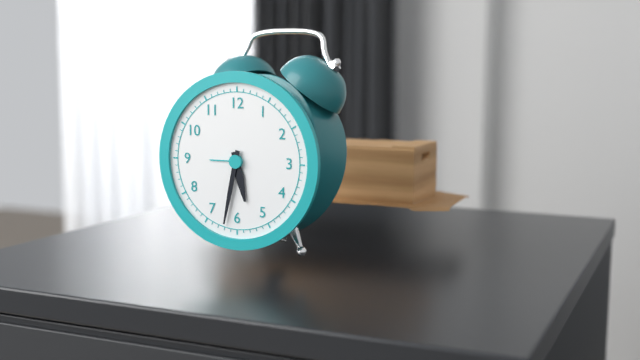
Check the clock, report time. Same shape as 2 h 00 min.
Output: 5 h 32 min
